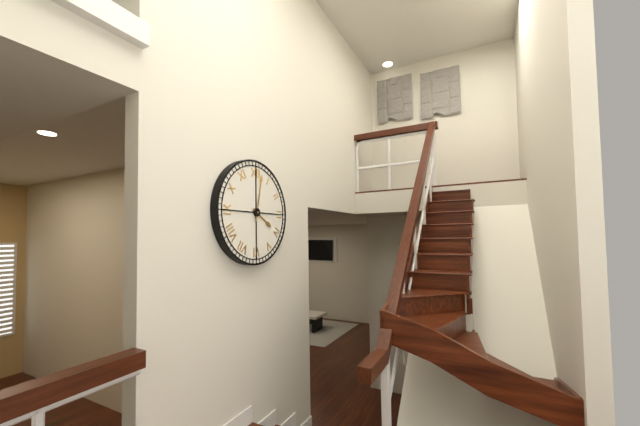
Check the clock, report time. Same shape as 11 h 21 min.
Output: 4 h 02 min
